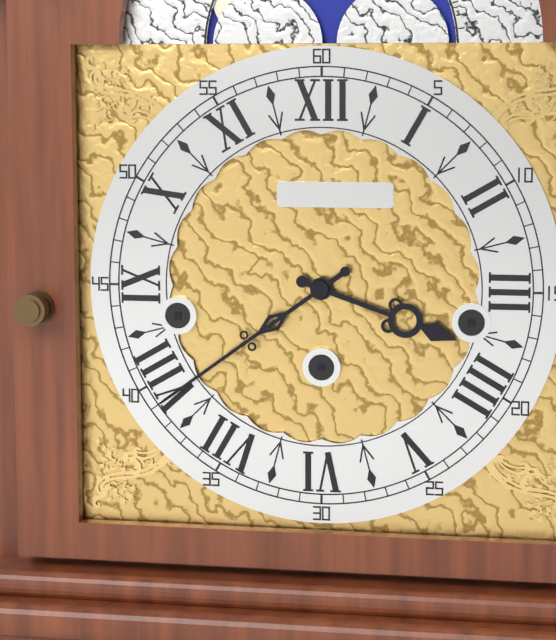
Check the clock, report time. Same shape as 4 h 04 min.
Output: 3 h 39 min
